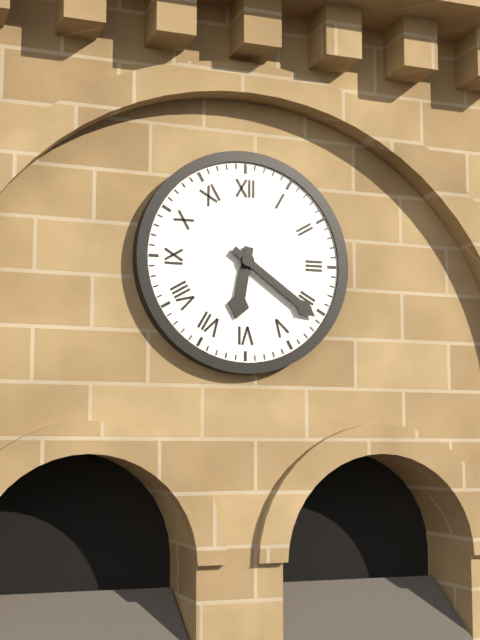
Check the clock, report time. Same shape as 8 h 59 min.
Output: 6 h 21 min
